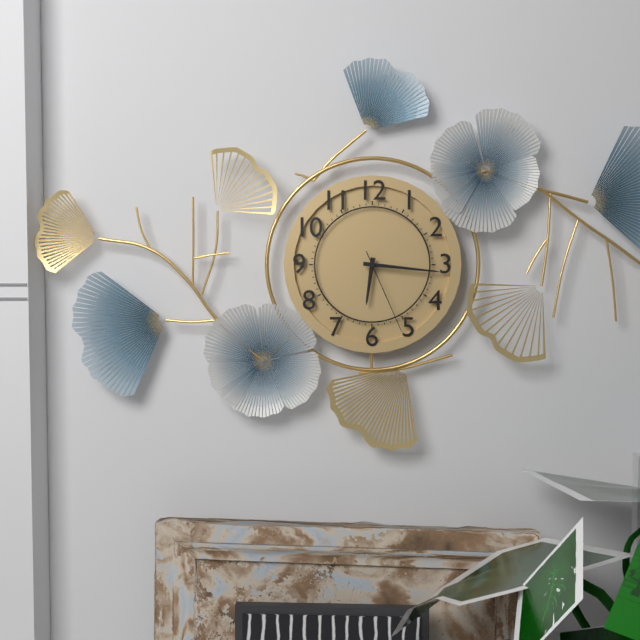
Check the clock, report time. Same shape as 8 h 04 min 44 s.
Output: 6 h 16 min 26 s
